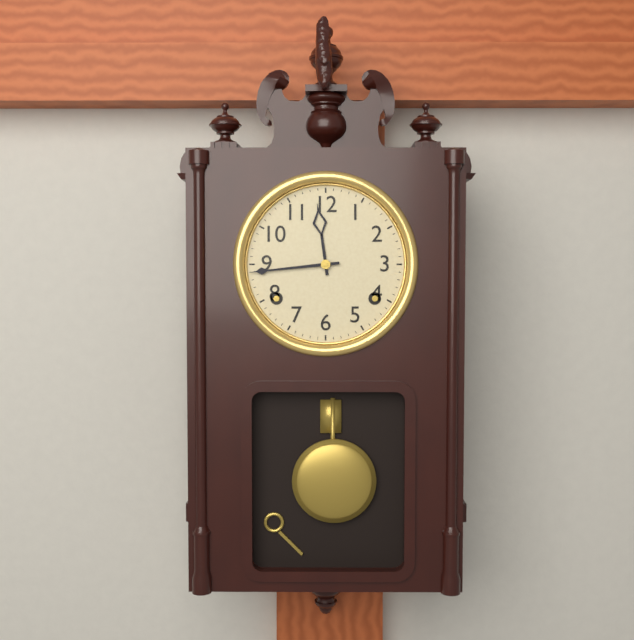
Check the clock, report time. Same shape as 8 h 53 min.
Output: 11 h 44 min
